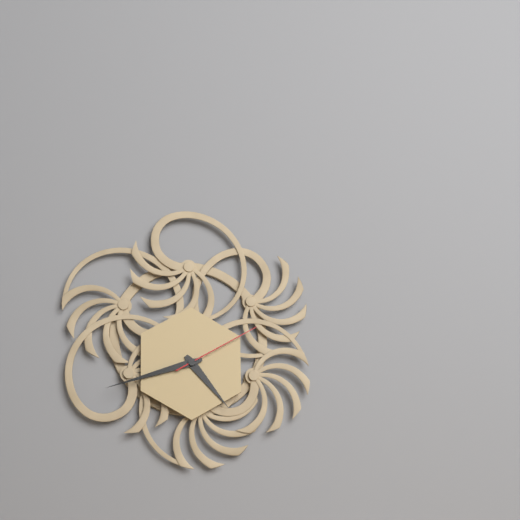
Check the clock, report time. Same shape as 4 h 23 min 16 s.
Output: 4 h 42 min 10 s
